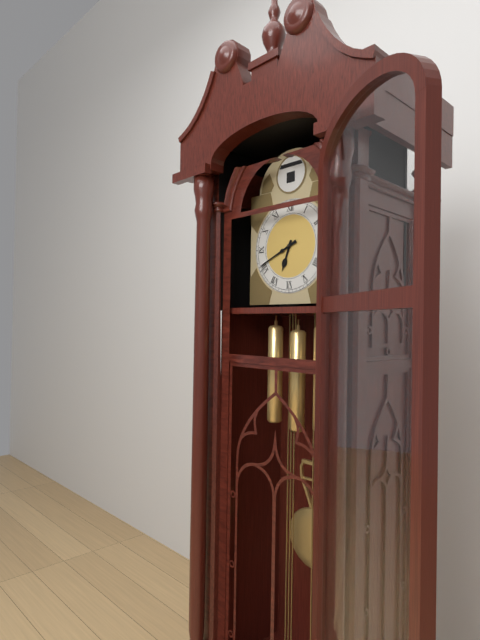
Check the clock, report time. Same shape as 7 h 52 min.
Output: 6 h 41 min
